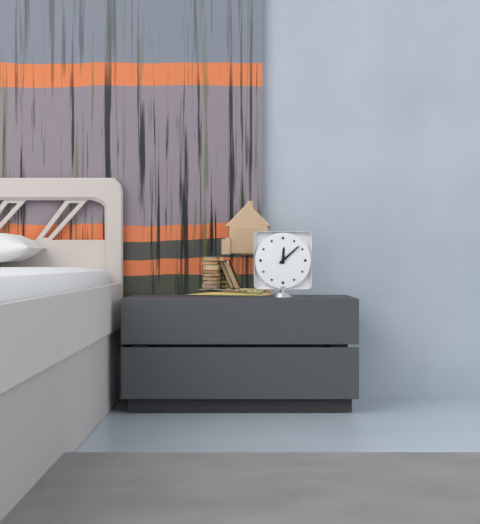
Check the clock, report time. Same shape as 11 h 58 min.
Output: 12 h 08 min
